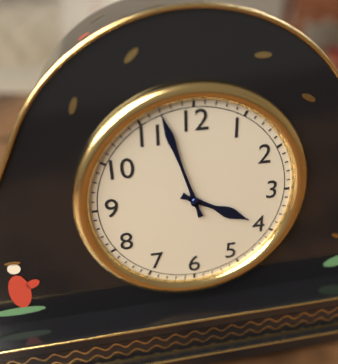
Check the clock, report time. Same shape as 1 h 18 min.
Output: 3 h 57 min
